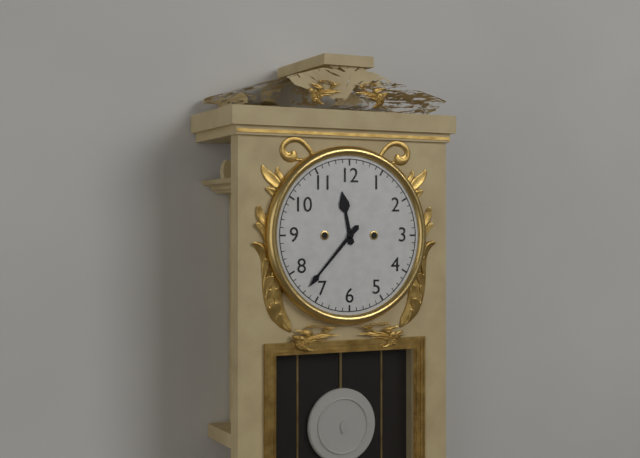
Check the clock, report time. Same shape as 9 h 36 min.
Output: 11 h 37 min
